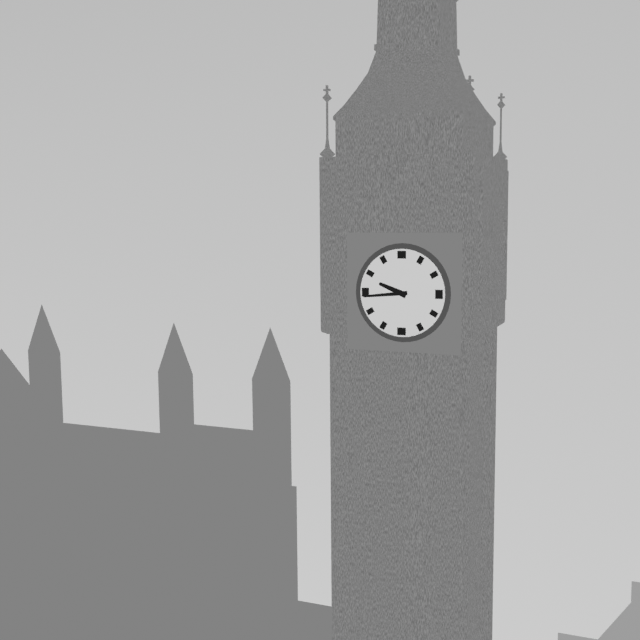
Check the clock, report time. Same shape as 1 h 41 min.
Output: 9 h 44 min
